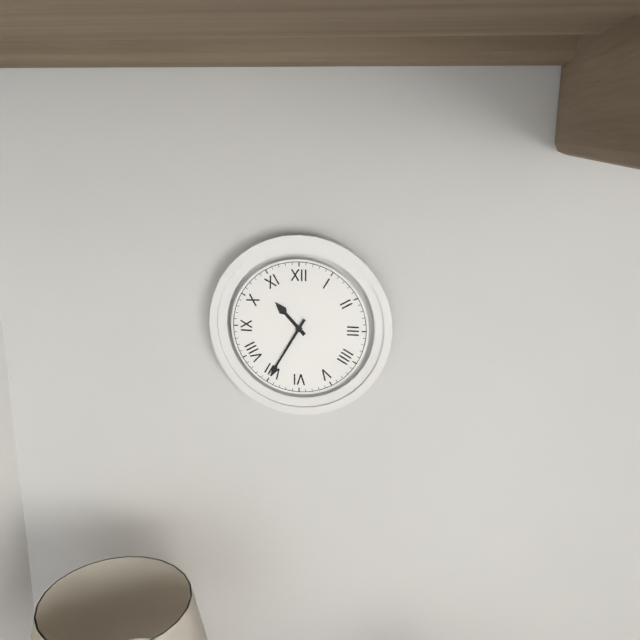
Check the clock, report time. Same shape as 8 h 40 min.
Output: 10 h 35 min
